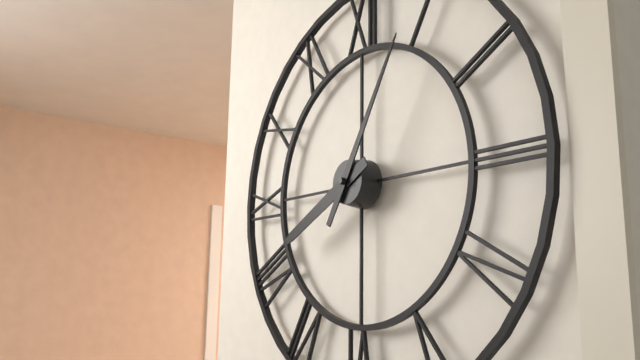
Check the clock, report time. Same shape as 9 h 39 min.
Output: 8 h 05 min
